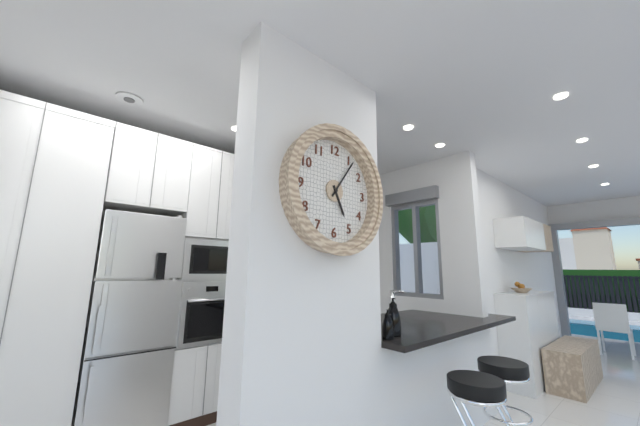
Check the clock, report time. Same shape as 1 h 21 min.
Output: 5 h 06 min
